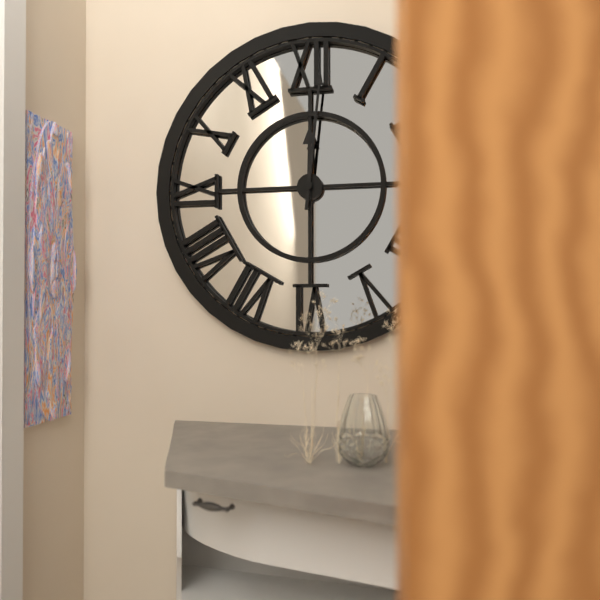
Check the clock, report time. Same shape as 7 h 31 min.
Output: 12 h 01 min
